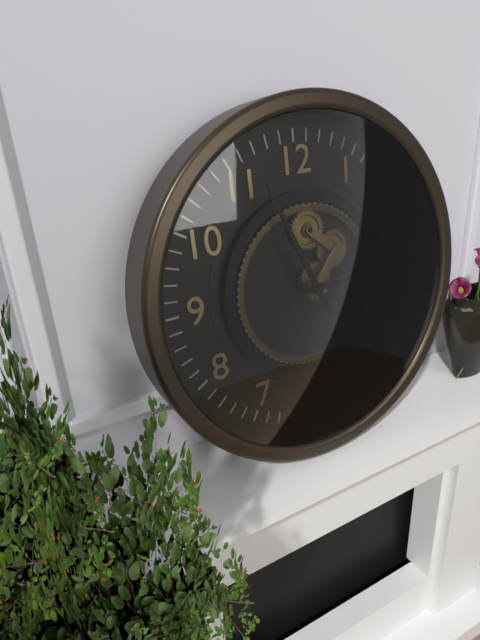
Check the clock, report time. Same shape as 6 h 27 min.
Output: 2 h 56 min
